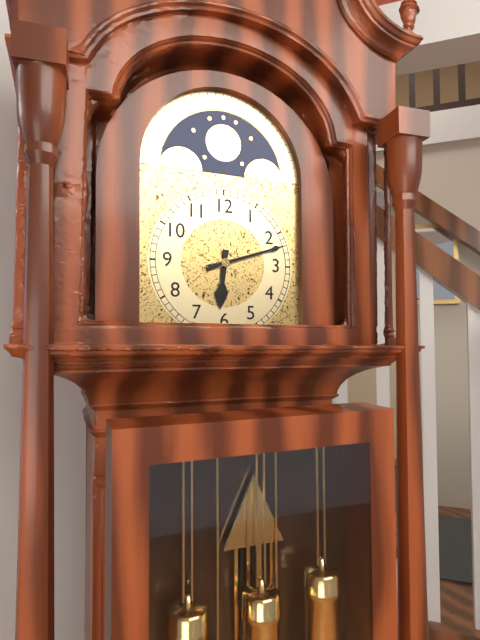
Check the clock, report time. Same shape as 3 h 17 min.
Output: 6 h 12 min
